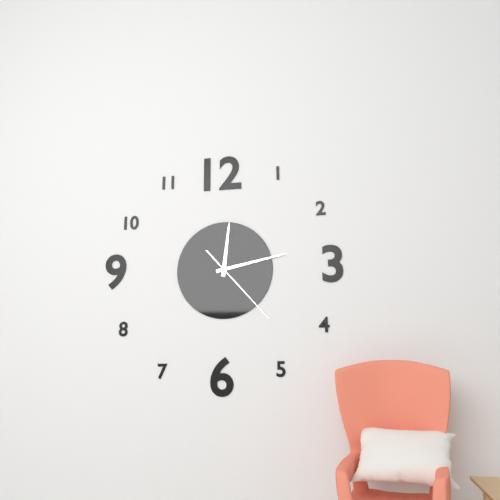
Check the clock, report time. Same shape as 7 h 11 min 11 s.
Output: 12 h 13 min 23 s
